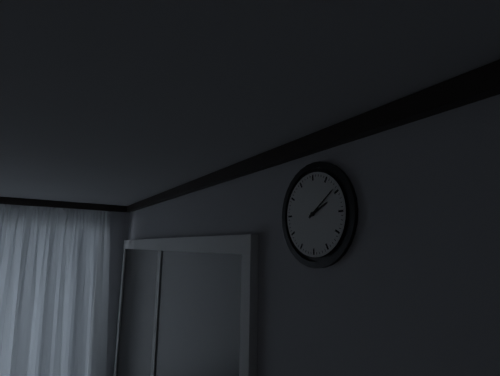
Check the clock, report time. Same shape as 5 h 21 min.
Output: 2 h 09 min
